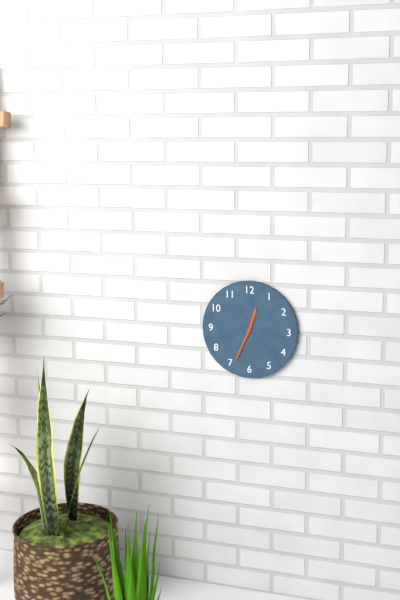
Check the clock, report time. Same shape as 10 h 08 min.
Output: 12 h 34 min
